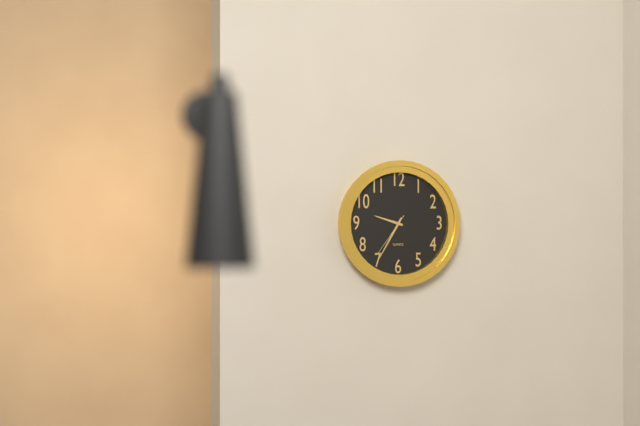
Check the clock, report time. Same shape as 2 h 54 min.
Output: 9 h 35 min
